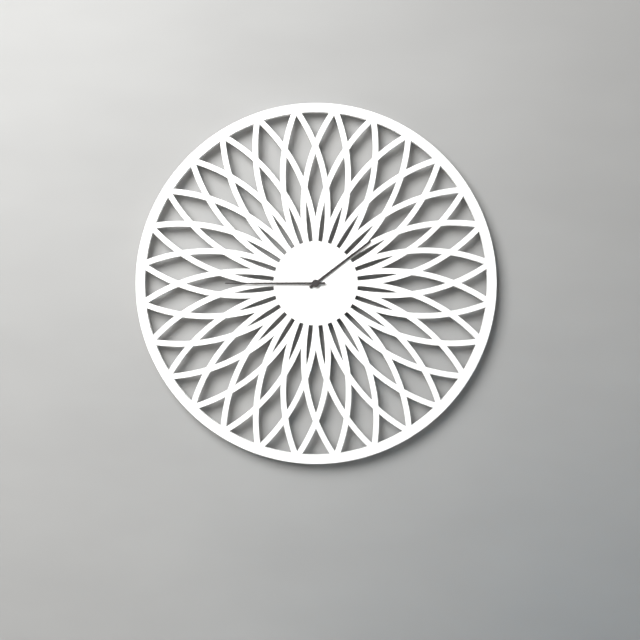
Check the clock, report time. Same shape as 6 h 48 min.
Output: 1 h 45 min
